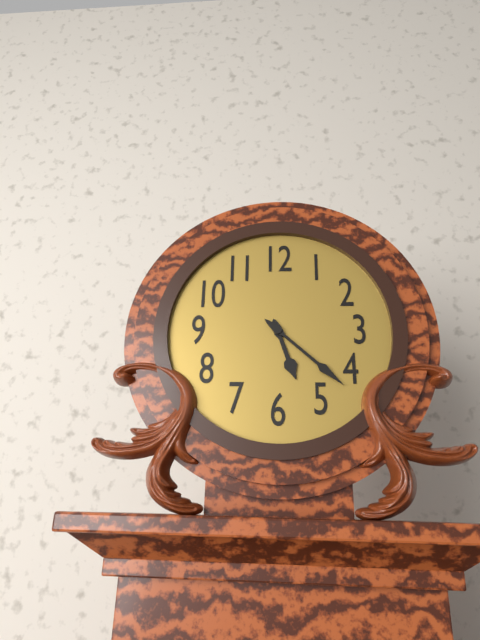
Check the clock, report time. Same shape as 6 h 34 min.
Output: 5 h 22 min
